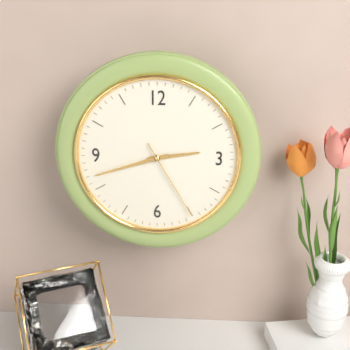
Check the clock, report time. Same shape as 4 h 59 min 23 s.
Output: 2 h 42 min 25 s
